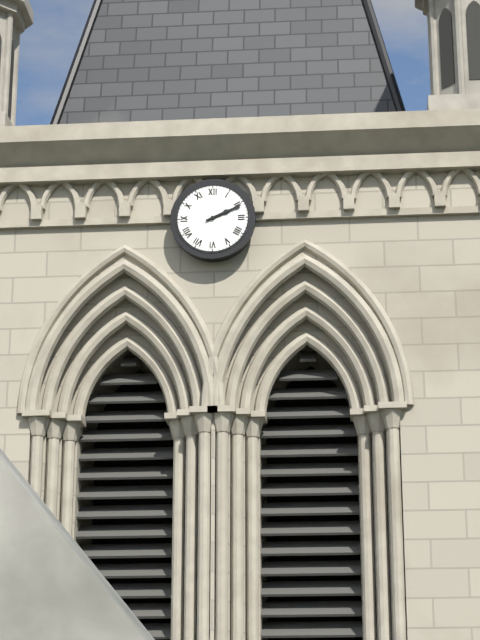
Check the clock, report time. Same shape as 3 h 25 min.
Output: 2 h 11 min
